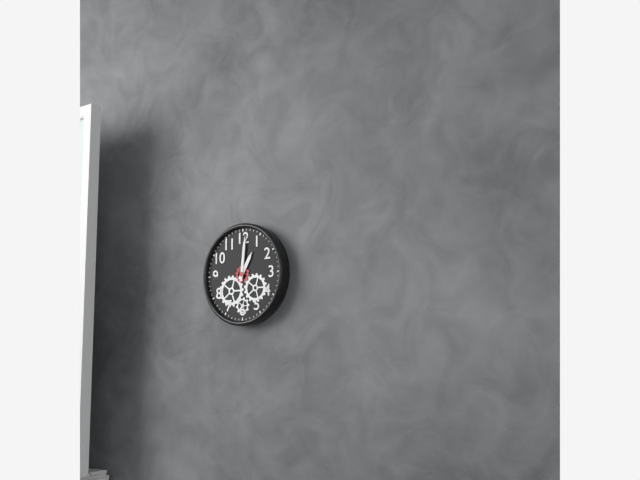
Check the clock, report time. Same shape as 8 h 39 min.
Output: 1 h 01 min
